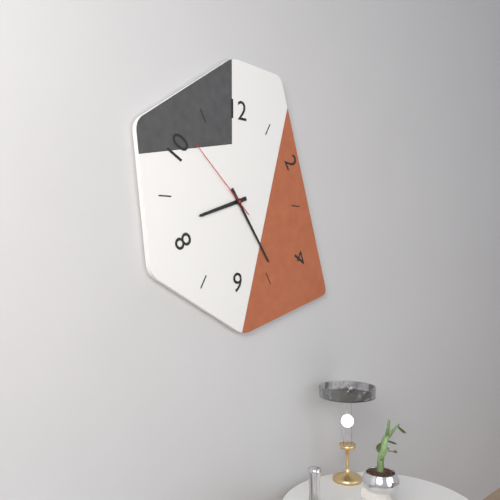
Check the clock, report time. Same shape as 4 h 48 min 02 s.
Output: 8 h 24 min 52 s
